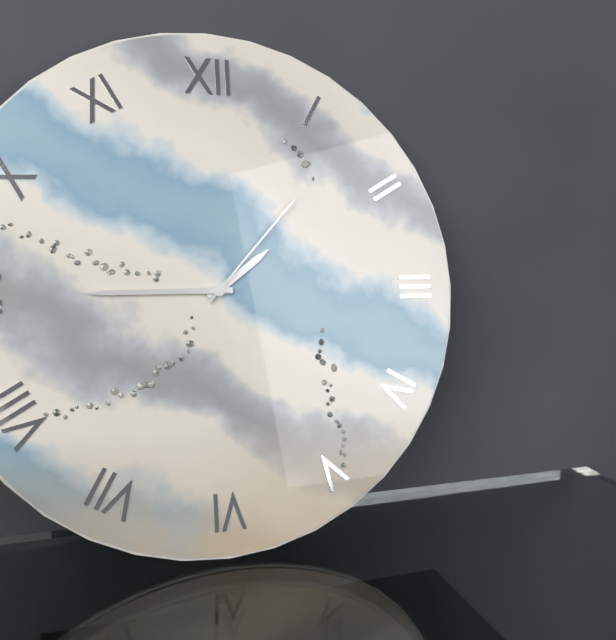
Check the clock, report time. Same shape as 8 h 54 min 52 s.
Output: 1 h 45 min 07 s
